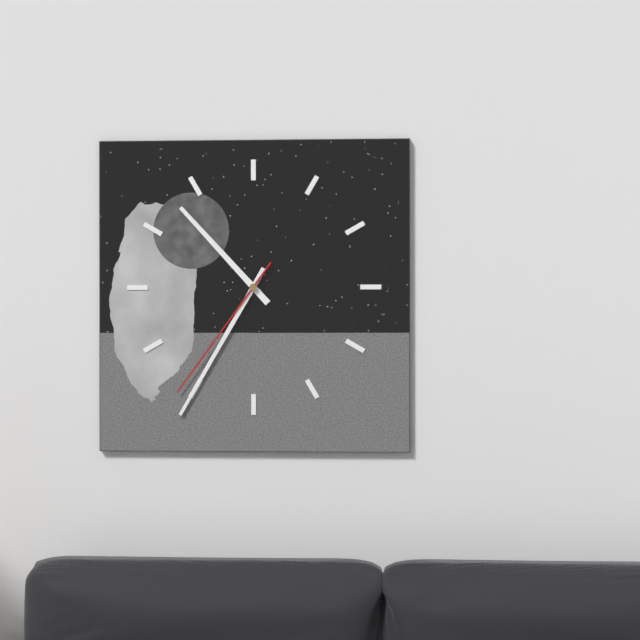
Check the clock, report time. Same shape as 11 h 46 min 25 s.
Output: 10 h 35 min 36 s
